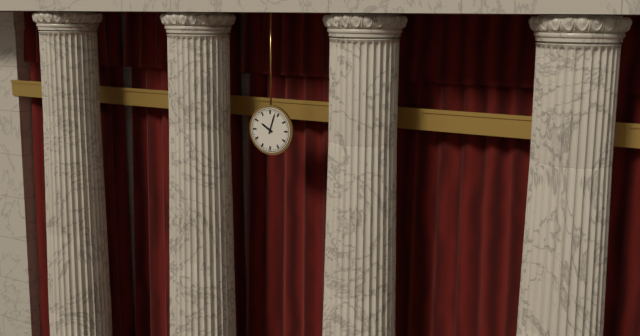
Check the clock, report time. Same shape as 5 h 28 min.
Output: 10 h 03 min
